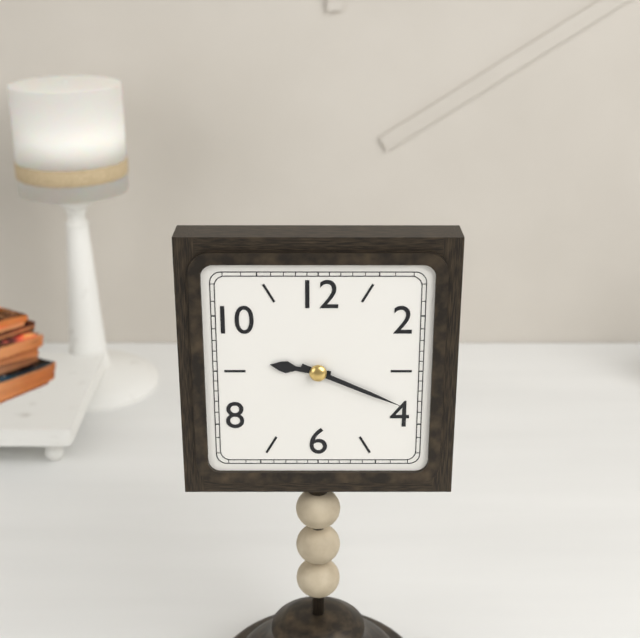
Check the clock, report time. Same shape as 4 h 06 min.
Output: 9 h 19 min
